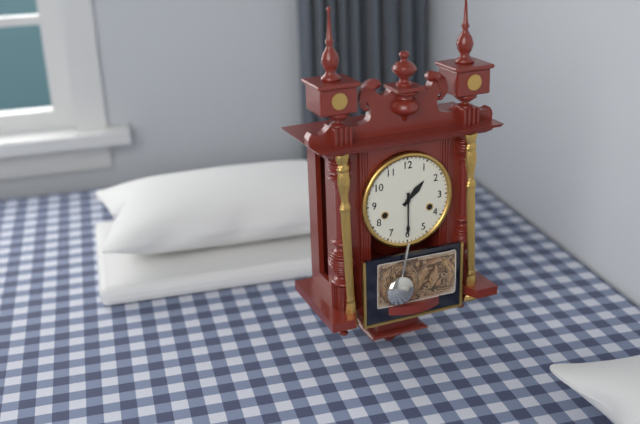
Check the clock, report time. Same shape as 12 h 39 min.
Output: 1 h 30 min
